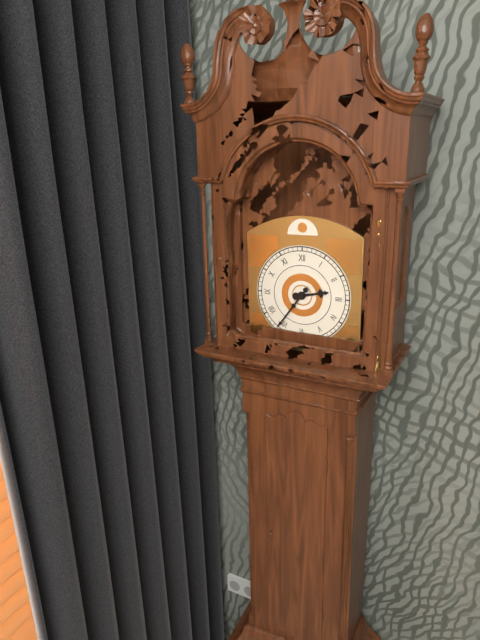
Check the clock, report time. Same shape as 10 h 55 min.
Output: 2 h 36 min
